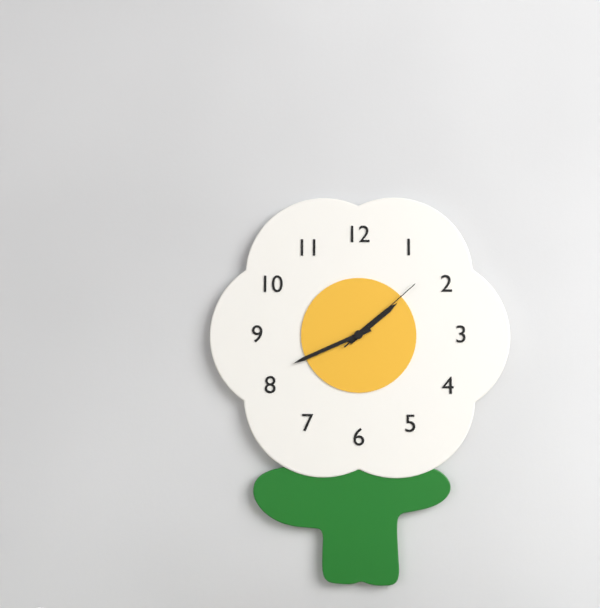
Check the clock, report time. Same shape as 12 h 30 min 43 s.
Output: 1 h 41 min 08 s
